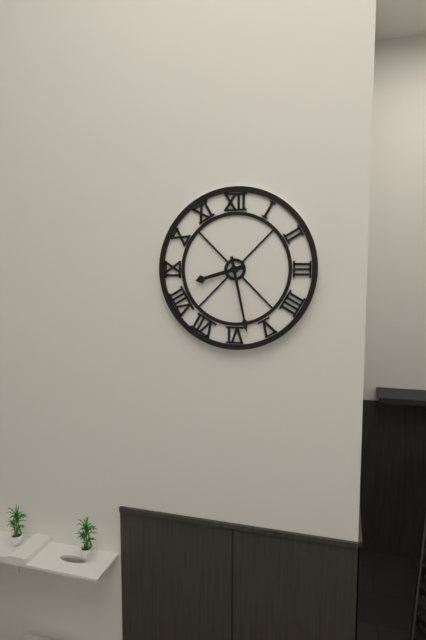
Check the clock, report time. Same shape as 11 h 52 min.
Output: 8 h 28 min
